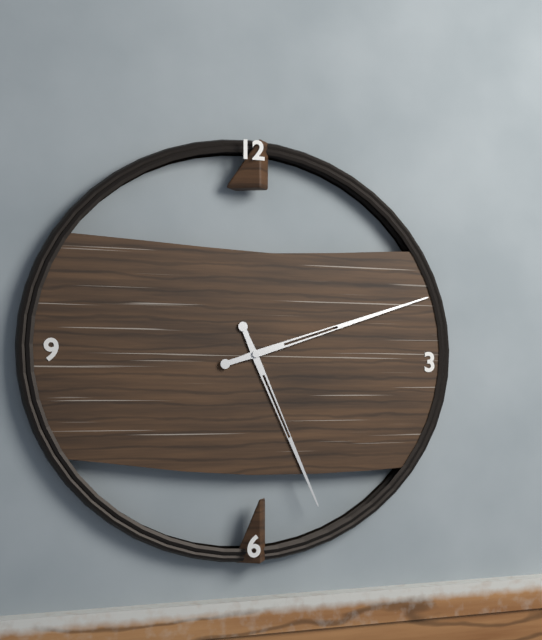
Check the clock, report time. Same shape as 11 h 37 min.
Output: 5 h 12 min
